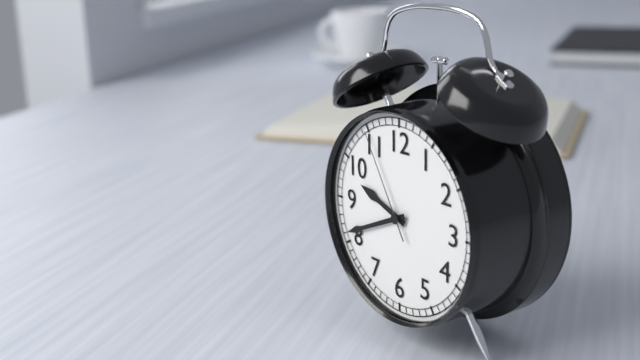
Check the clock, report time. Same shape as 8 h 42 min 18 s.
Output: 9 h 41 min 55 s
